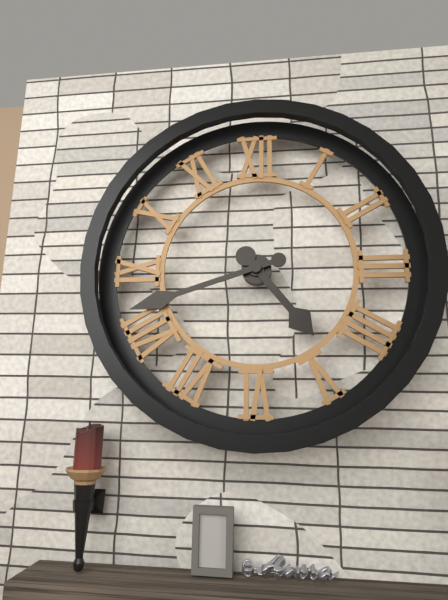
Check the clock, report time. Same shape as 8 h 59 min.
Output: 4 h 42 min
